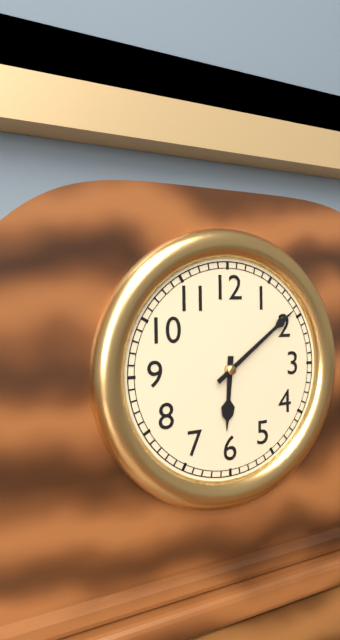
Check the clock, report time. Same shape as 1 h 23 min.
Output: 6 h 09 min
